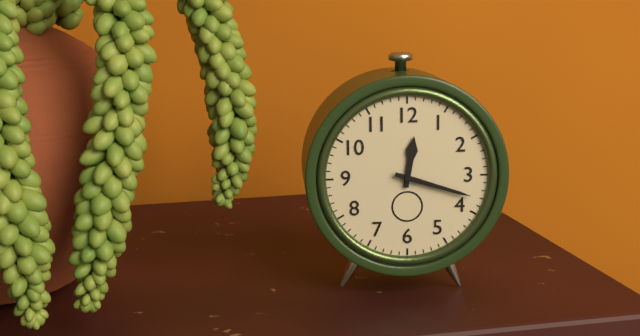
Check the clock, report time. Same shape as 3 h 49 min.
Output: 12 h 18 min
